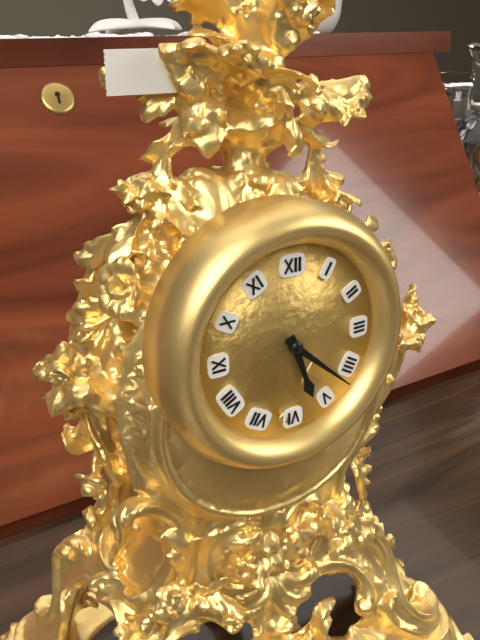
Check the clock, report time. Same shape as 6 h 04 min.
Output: 5 h 22 min
